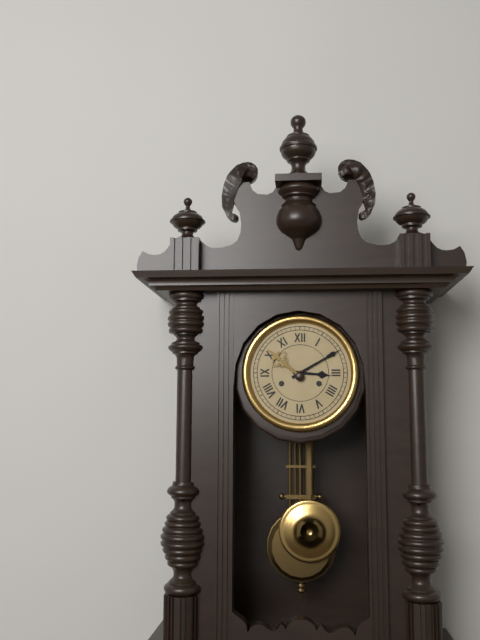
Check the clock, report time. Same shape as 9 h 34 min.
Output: 3 h 10 min
